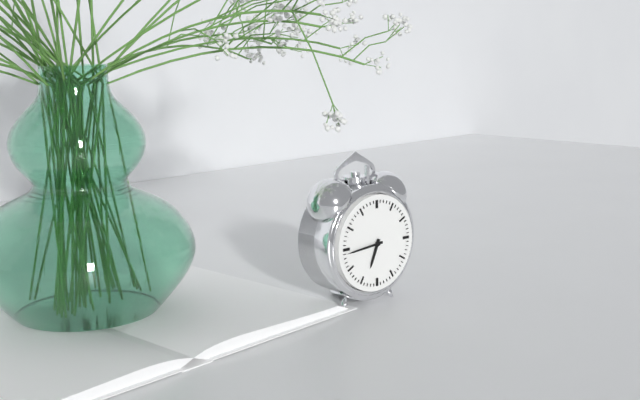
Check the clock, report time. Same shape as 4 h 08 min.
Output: 6 h 44 min
